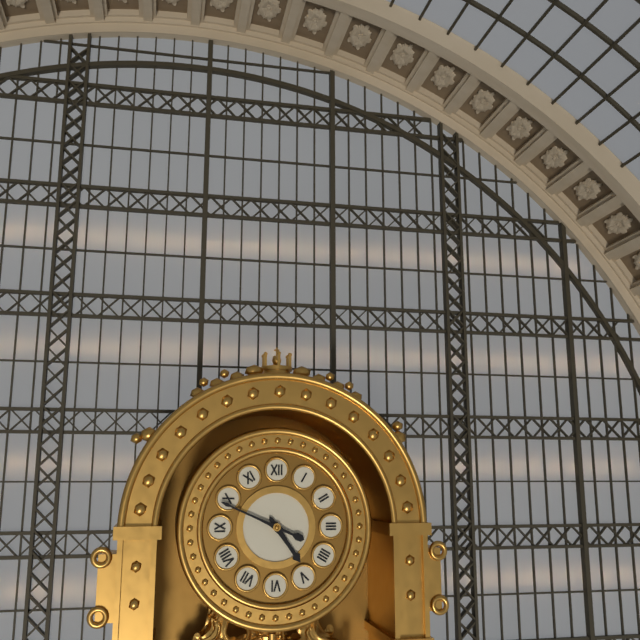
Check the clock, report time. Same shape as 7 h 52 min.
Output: 4 h 49 min
